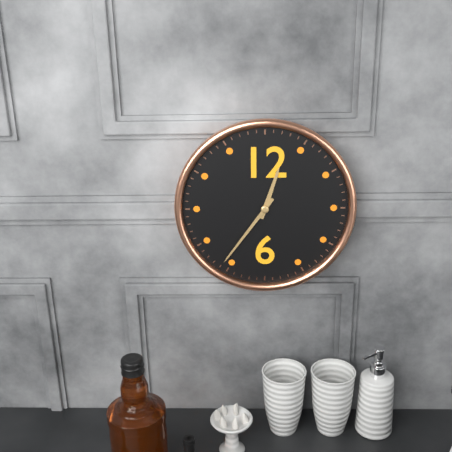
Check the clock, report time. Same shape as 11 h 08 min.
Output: 12 h 36 min
